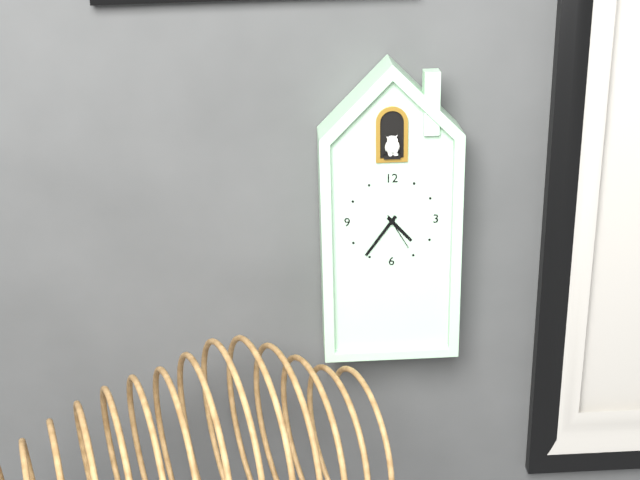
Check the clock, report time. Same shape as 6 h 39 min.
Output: 4 h 36 min
